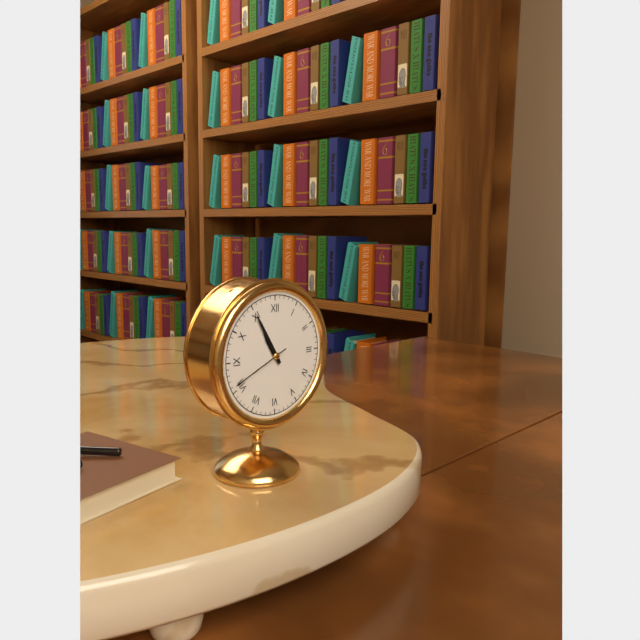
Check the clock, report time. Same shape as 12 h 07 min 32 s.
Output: 10 h 55 min 41 s
